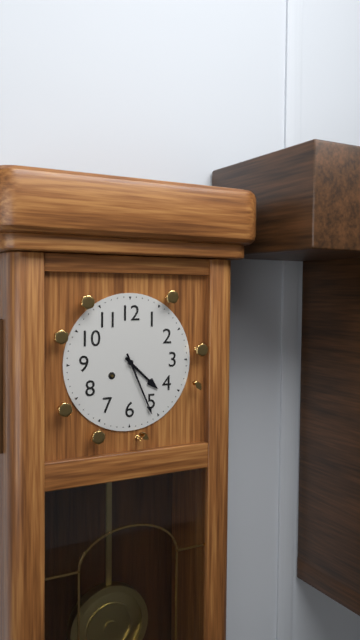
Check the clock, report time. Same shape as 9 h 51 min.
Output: 4 h 26 min
